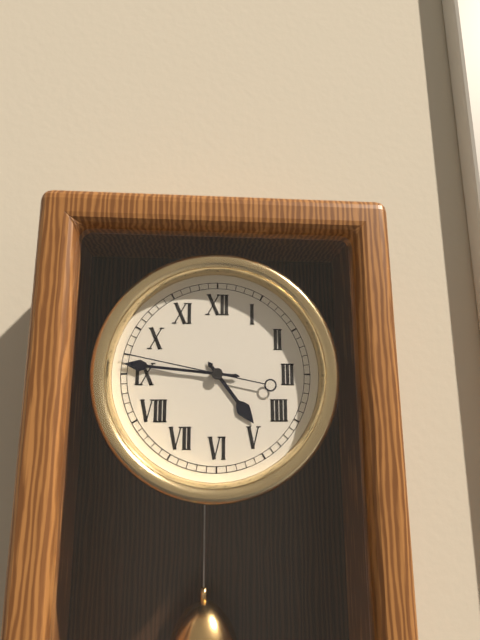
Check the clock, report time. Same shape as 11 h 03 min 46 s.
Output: 4 h 46 min 47 s
